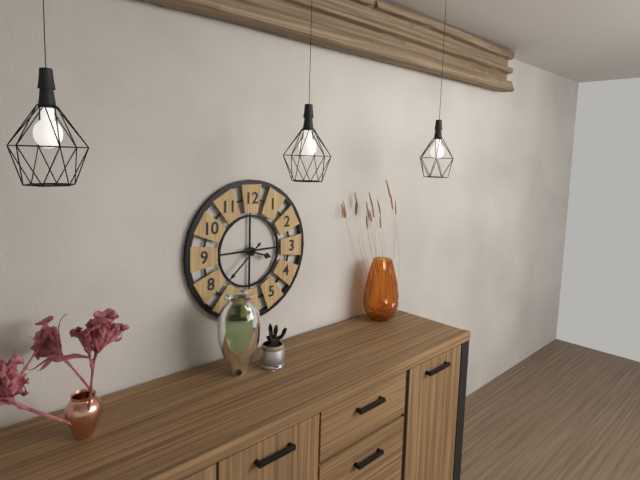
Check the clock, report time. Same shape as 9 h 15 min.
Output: 3 h 38 min
